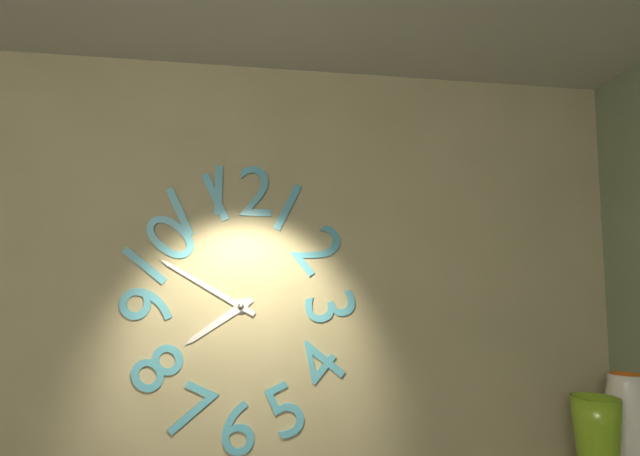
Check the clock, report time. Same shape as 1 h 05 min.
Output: 7 h 50 min
